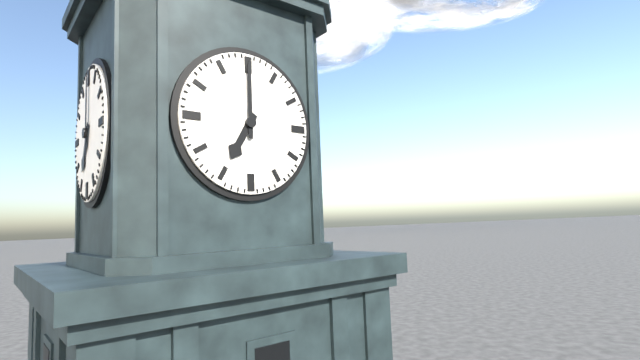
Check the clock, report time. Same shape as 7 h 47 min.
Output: 7 h 00 min
